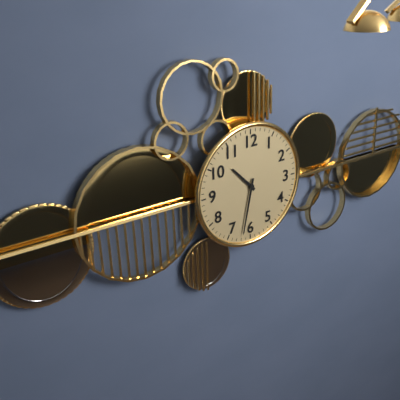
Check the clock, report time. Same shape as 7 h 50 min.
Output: 10 h 32 min
